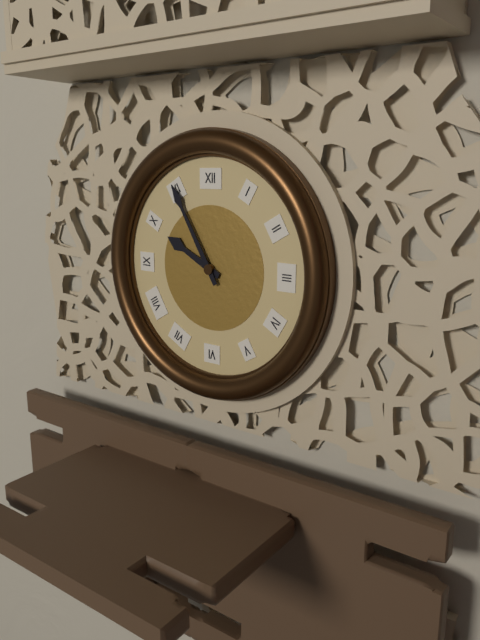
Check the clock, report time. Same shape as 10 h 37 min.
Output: 9 h 55 min
